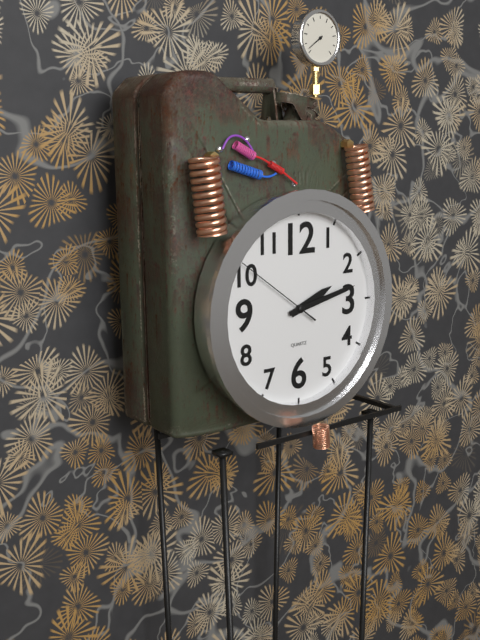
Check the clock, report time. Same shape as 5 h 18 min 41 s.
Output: 2 h 13 min 51 s
